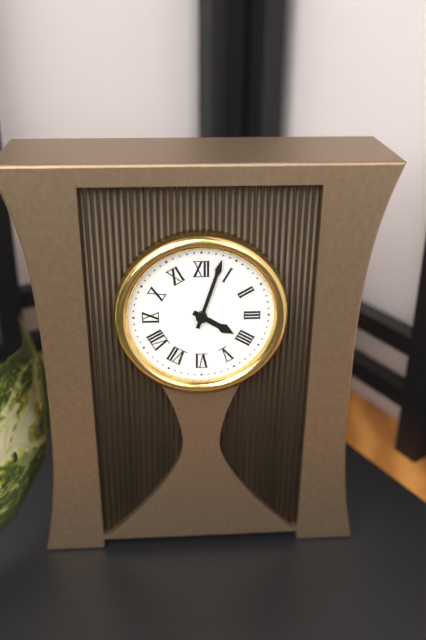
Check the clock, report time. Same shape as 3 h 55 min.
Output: 4 h 03 min
